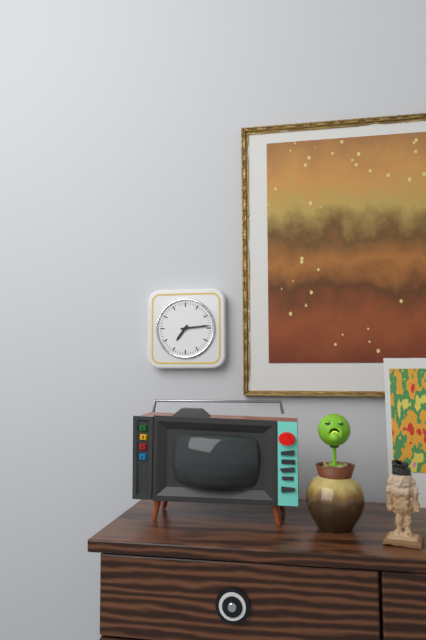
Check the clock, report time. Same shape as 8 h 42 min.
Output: 7 h 14 min
